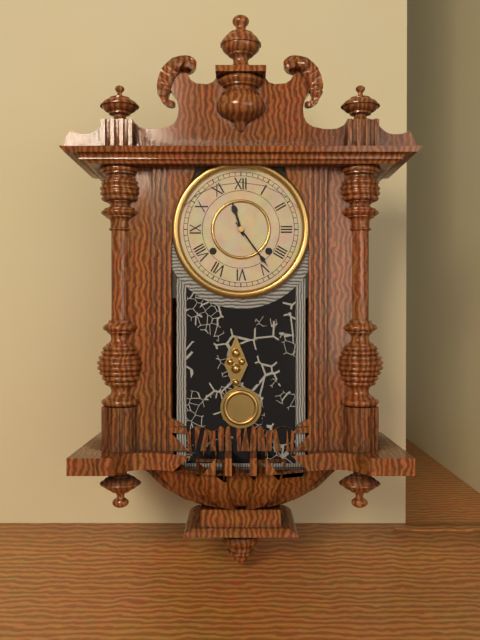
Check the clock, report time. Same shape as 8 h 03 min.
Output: 11 h 24 min
